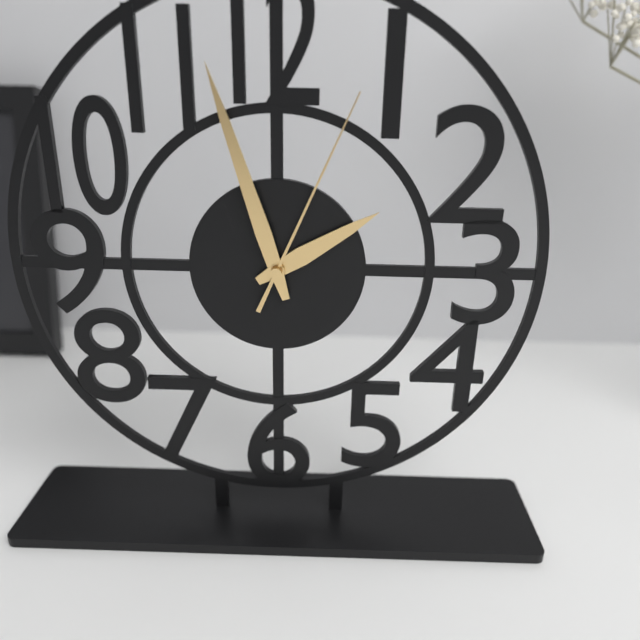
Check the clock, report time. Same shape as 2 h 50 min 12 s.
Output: 1 h 57 min 04 s
